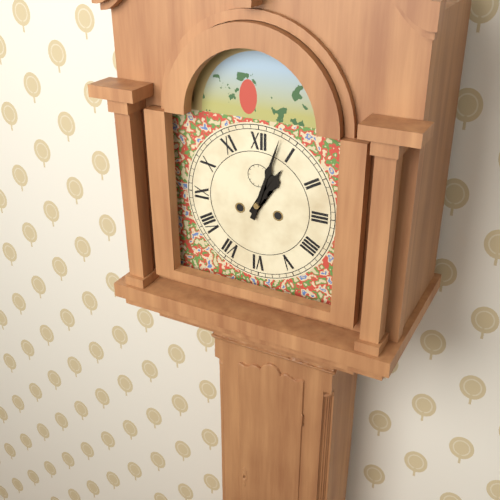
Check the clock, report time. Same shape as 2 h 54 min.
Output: 1 h 03 min
